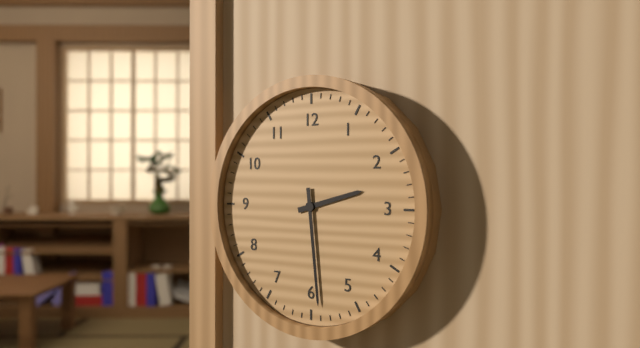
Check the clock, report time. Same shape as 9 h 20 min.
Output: 2 h 29 min
